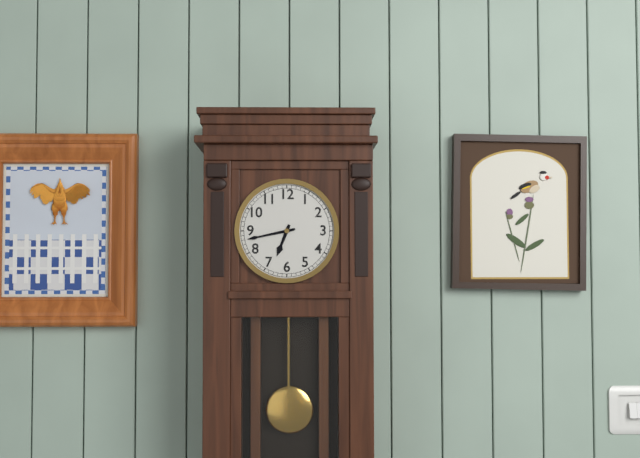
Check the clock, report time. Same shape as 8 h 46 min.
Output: 6 h 43 min
